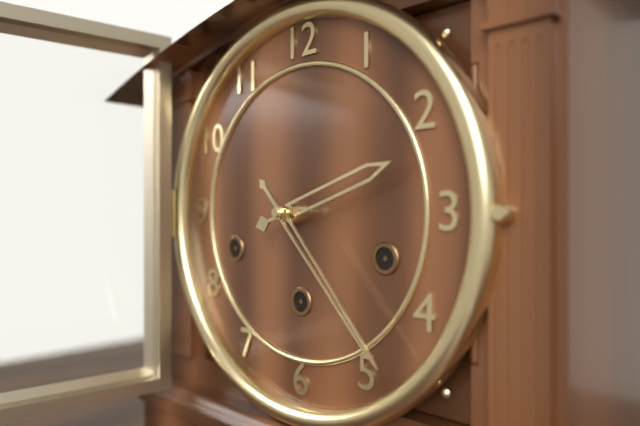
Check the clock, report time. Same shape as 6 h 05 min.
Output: 2 h 23 min
